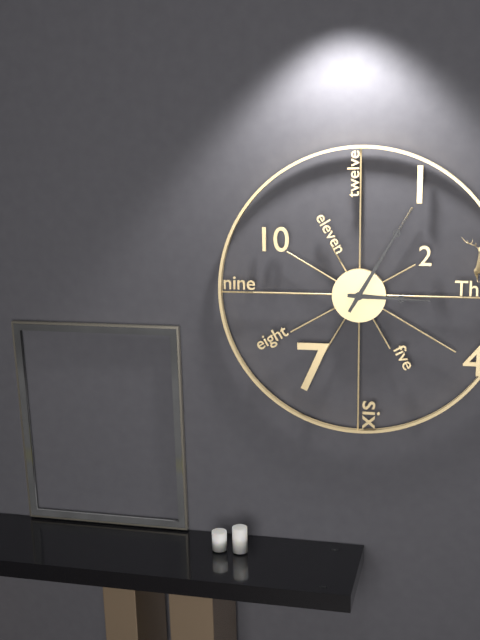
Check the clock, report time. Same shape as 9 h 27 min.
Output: 3 h 05 min
